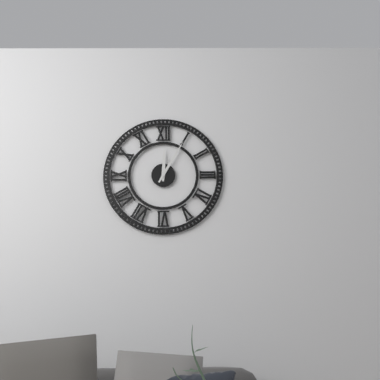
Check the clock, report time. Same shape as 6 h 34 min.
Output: 12 h 05 min
